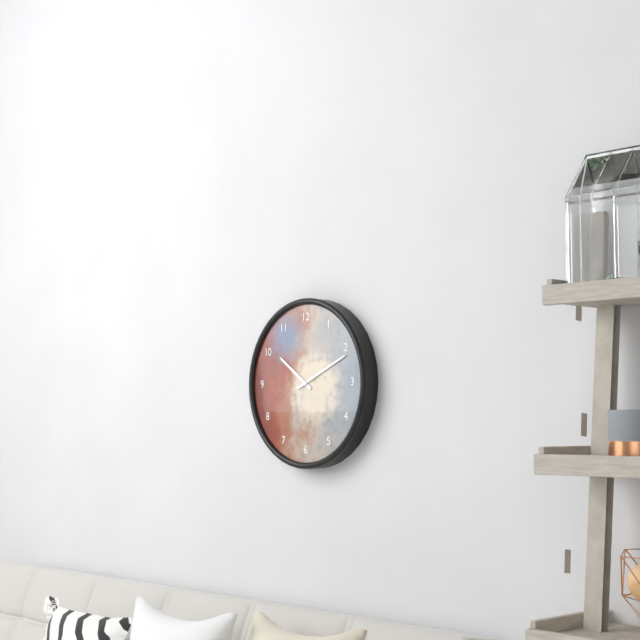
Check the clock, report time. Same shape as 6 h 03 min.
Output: 10 h 11 min
